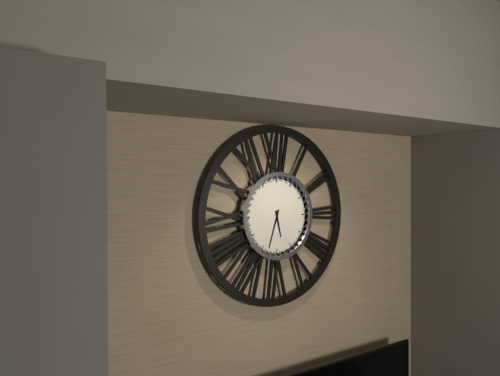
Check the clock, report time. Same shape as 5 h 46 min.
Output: 5 h 33 min
